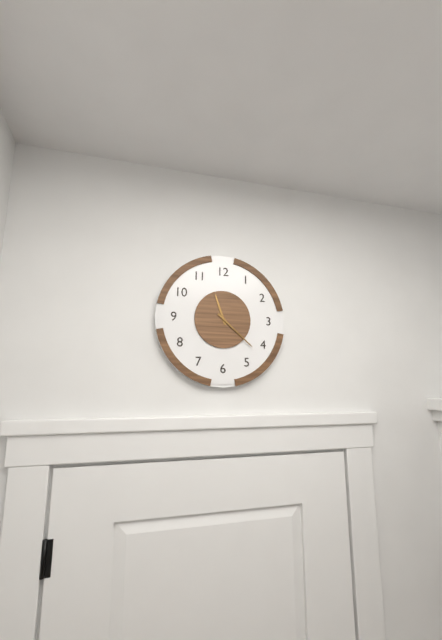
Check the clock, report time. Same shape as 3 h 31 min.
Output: 11 h 22 min
